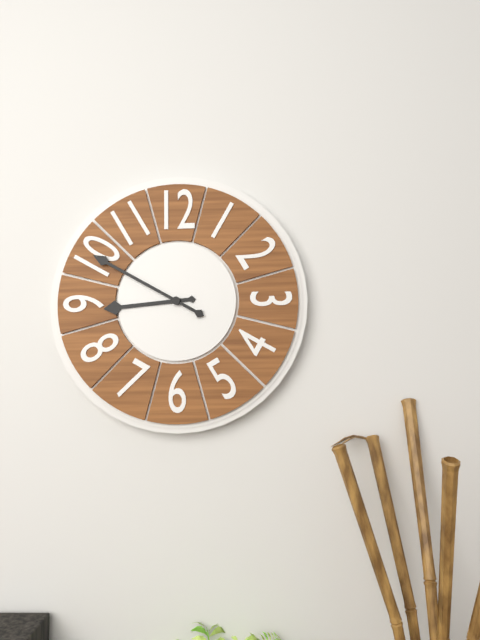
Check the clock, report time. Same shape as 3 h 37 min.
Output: 8 h 50 min
